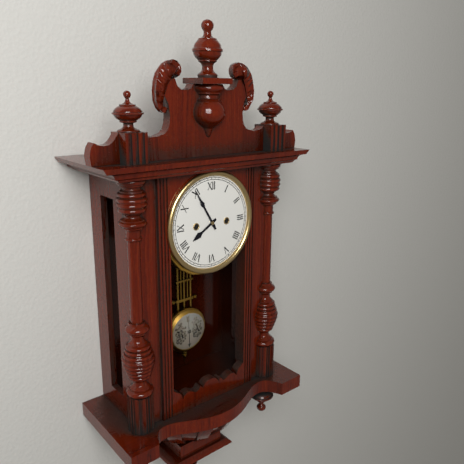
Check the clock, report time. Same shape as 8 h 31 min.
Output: 7 h 55 min
